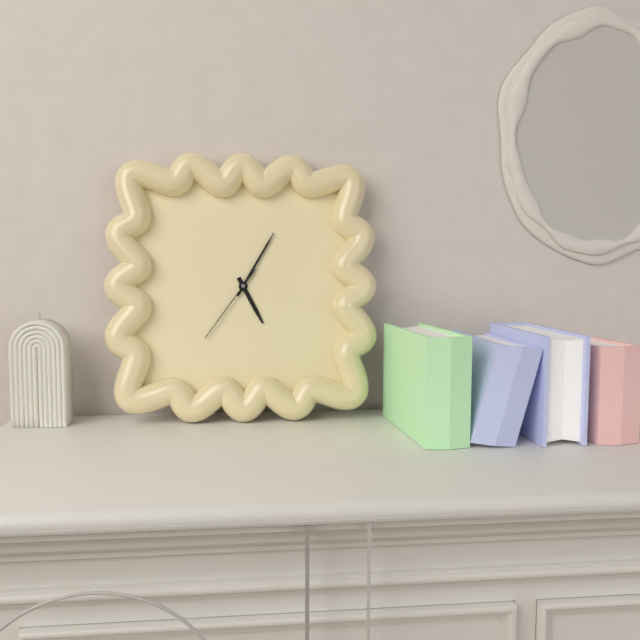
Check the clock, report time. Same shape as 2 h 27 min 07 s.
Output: 5 h 05 min 36 s
